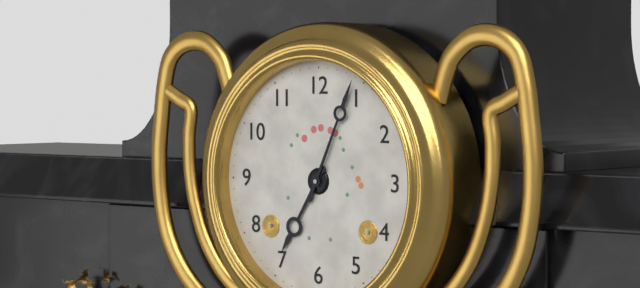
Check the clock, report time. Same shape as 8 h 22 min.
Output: 7 h 04 min
